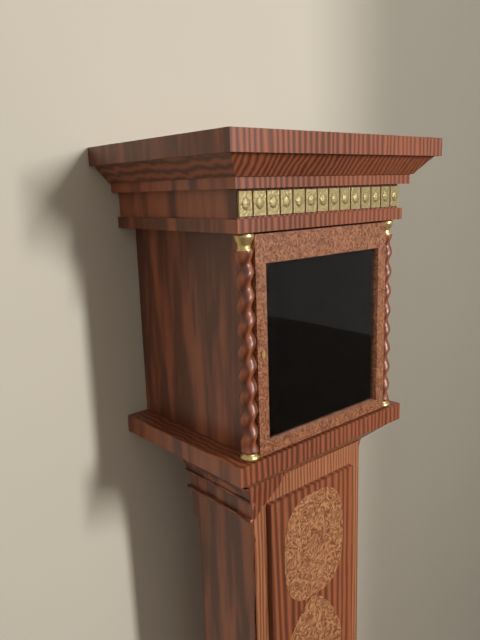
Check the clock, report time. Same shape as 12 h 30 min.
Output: 10 h 33 min
